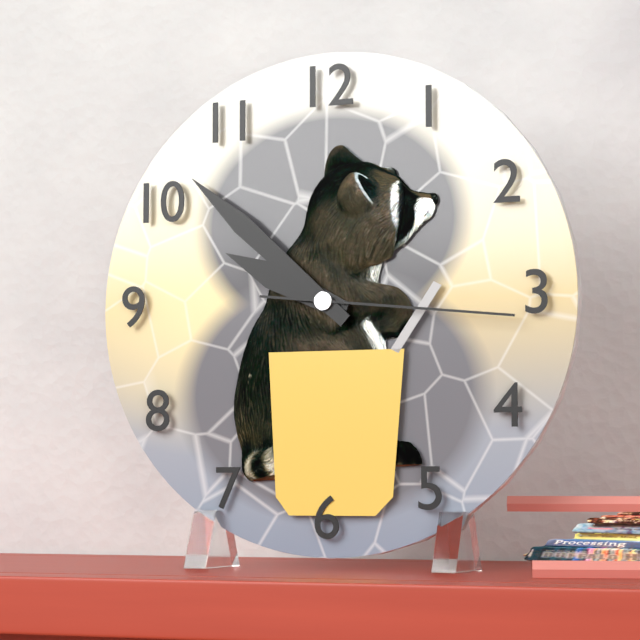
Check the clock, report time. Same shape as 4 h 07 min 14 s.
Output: 9 h 52 min 16 s
